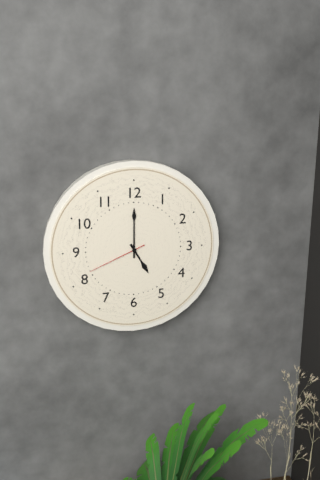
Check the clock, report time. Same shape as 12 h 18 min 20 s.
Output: 5 h 00 min 41 s
